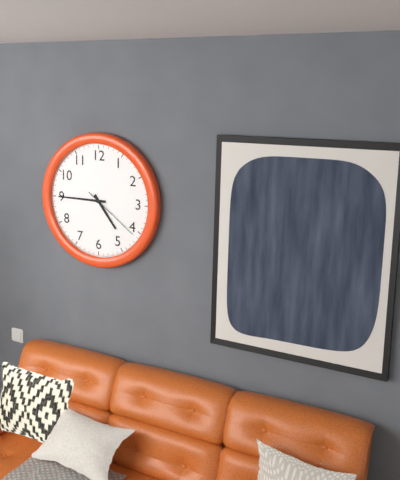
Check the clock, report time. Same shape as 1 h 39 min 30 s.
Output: 4 h 45 min 21 s
